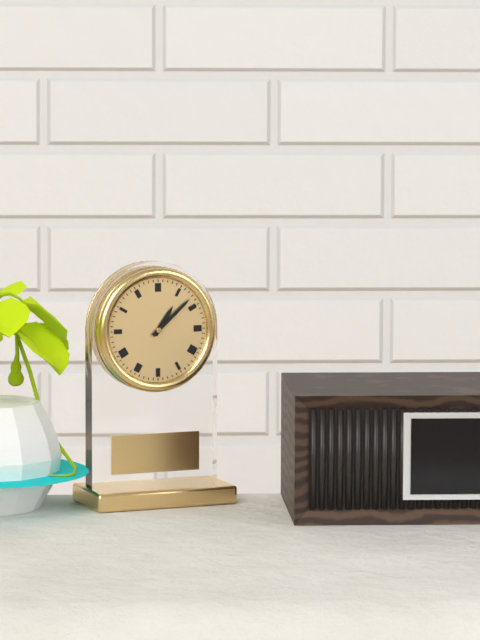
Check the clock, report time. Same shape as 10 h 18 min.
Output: 1 h 08 min
